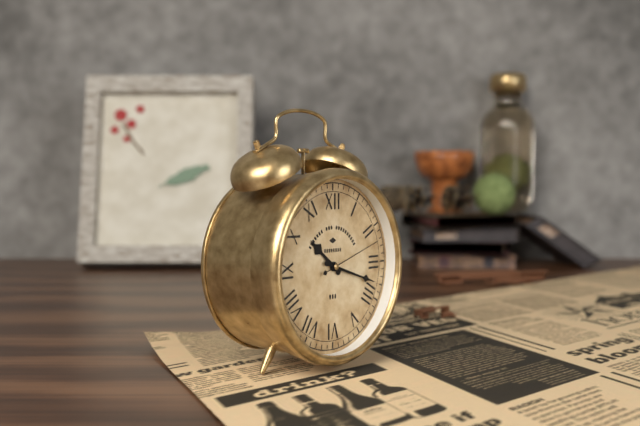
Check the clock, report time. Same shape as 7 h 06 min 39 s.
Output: 10 h 18 min 12 s
